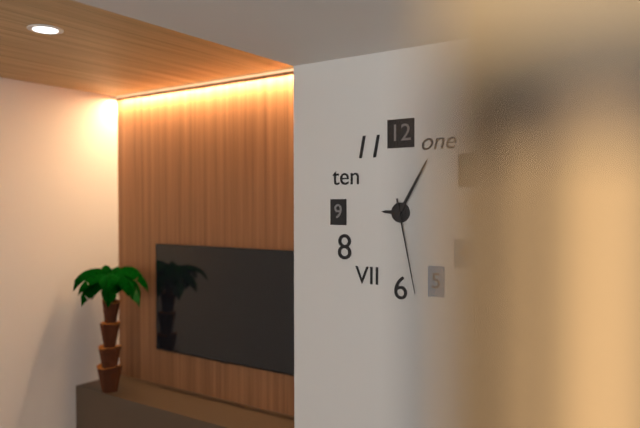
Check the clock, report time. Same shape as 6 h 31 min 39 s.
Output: 9 h 05 min 28 s
